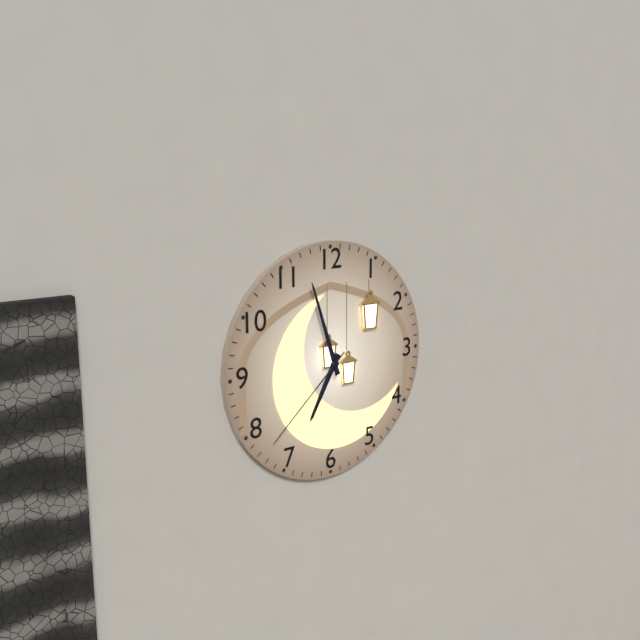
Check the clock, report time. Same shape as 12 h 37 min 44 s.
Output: 6 h 57 min 38 s
